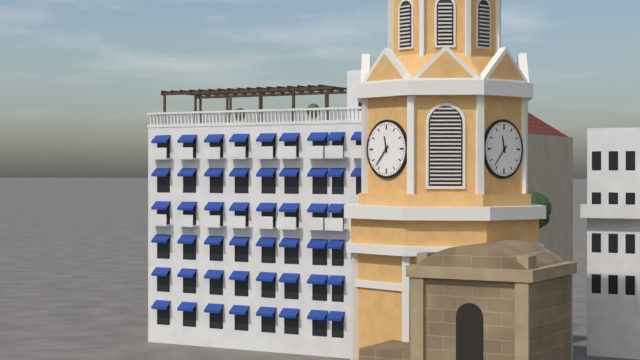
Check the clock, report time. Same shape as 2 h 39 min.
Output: 11 h 37 min
